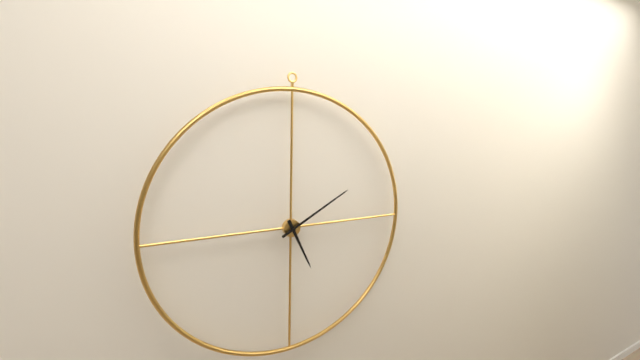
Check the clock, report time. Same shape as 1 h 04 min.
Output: 5 h 10 min
